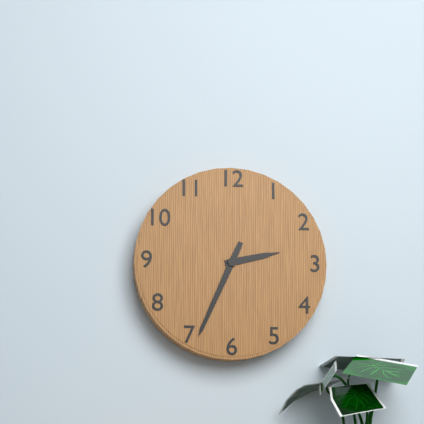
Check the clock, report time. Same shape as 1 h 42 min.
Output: 2 h 34 min
